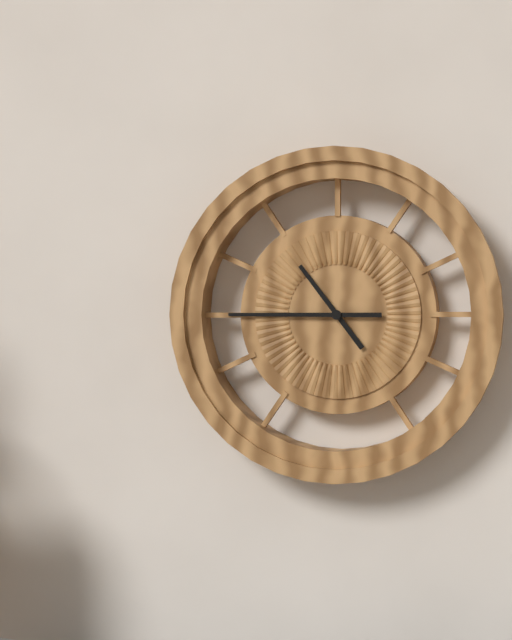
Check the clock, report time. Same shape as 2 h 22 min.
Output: 10 h 45 min
